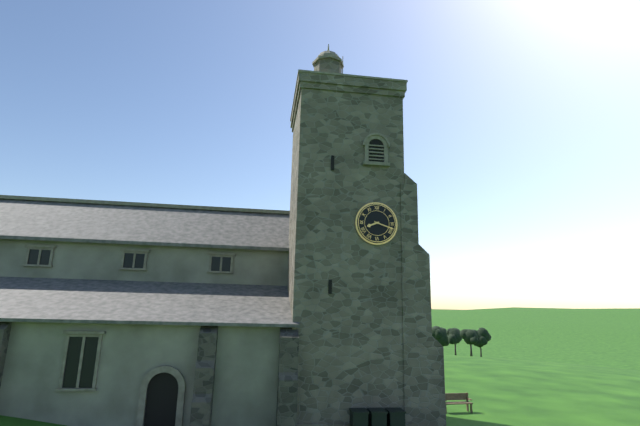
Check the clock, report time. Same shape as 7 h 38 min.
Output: 8 h 18 min
